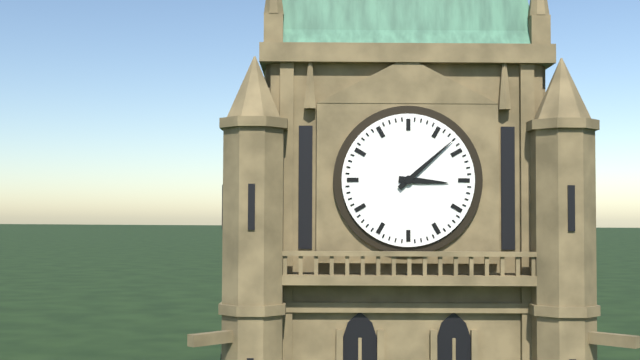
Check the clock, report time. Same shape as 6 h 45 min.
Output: 3 h 08 min
